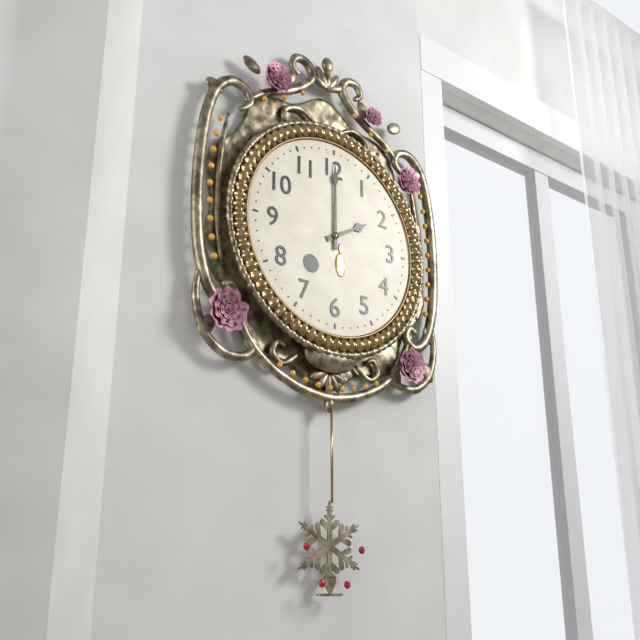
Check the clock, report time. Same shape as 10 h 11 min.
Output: 2 h 00 min
